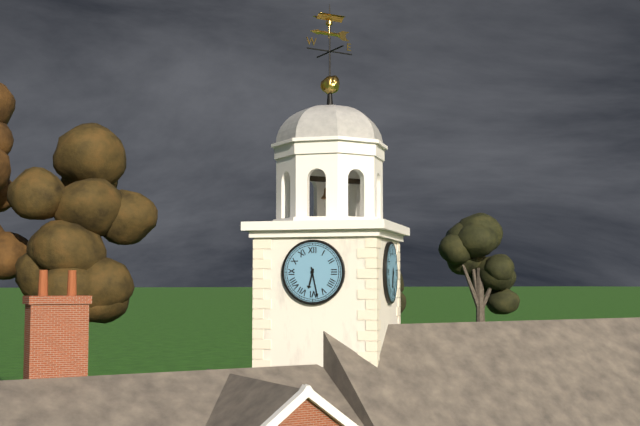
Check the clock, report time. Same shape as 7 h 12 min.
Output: 6 h 28 min
